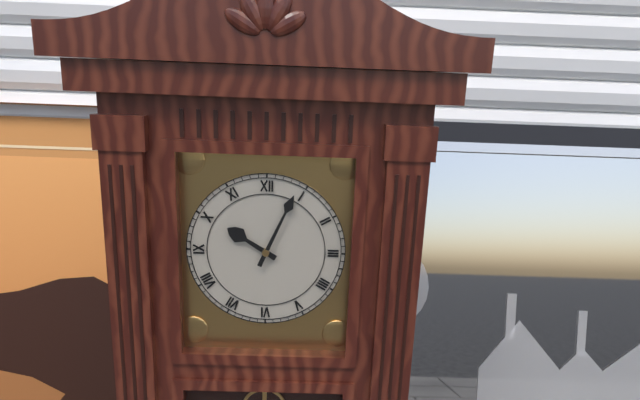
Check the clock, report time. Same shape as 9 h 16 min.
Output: 10 h 04 min
